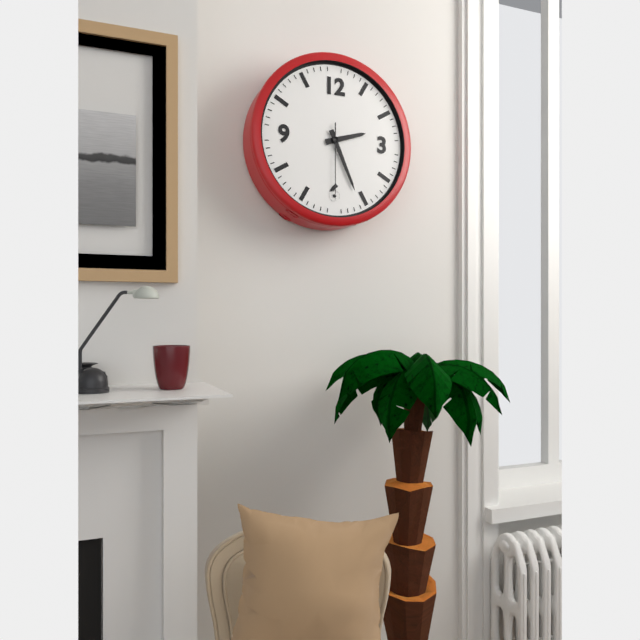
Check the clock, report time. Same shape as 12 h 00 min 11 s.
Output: 2 h 26 min 30 s
